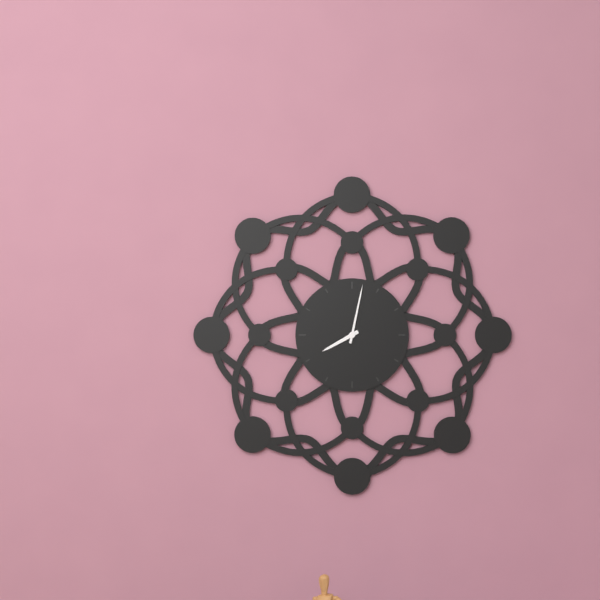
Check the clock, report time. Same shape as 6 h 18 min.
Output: 8 h 02 min
